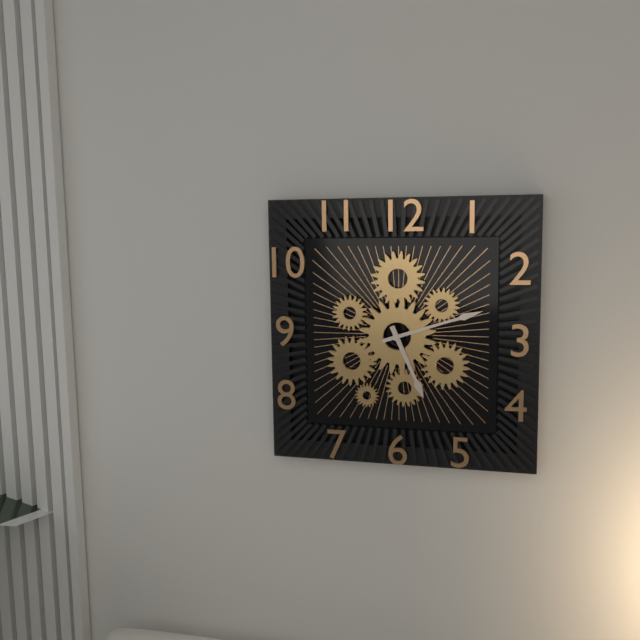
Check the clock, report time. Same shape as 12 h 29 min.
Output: 5 h 12 min
